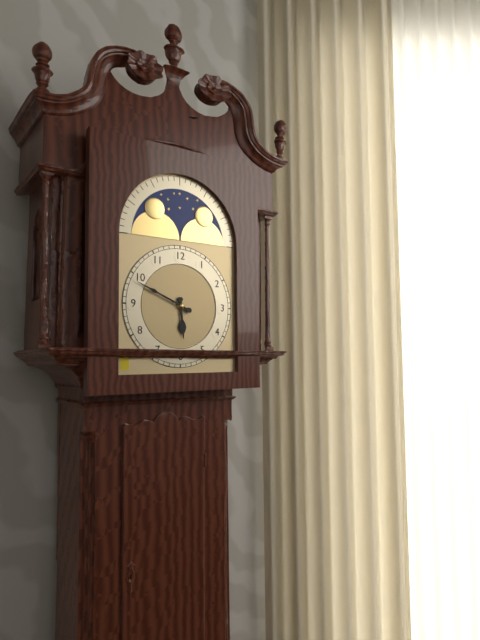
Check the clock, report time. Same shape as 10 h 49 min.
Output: 5 h 49 min
